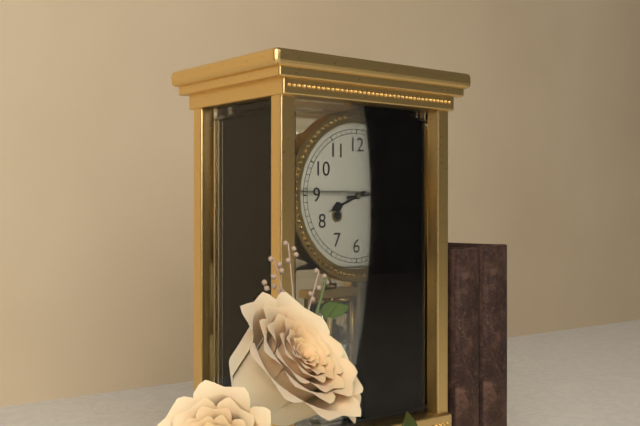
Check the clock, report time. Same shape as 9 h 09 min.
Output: 8 h 14 min
